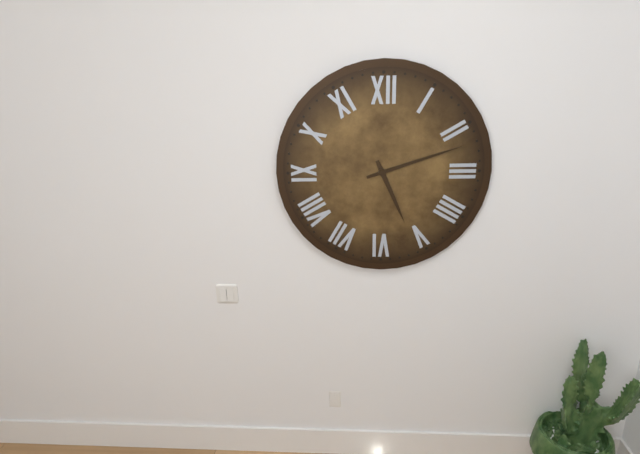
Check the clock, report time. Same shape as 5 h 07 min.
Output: 5 h 12 min
